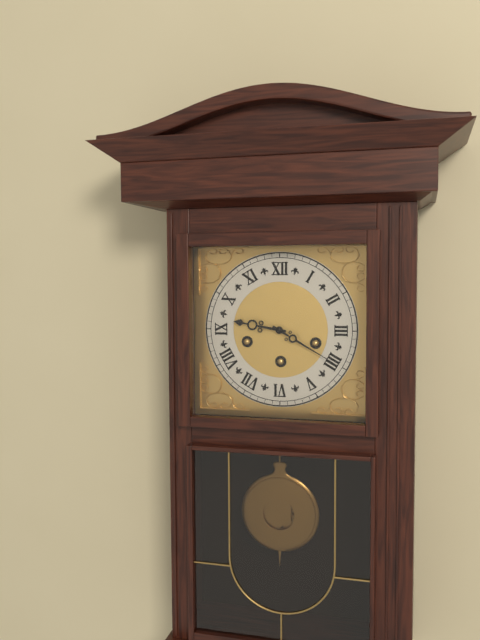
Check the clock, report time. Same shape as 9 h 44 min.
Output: 9 h 20 min
